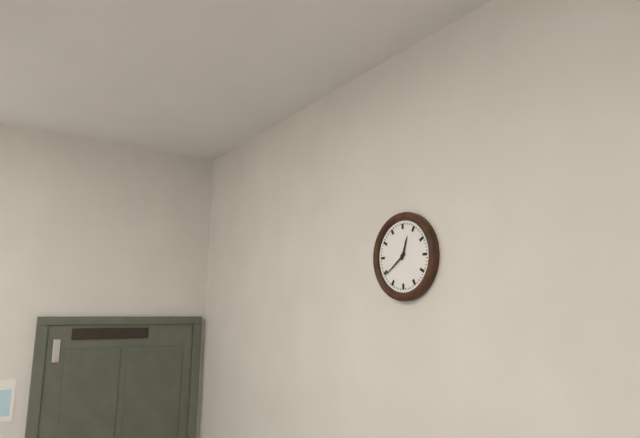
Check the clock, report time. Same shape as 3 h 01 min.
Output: 12 h 39 min
